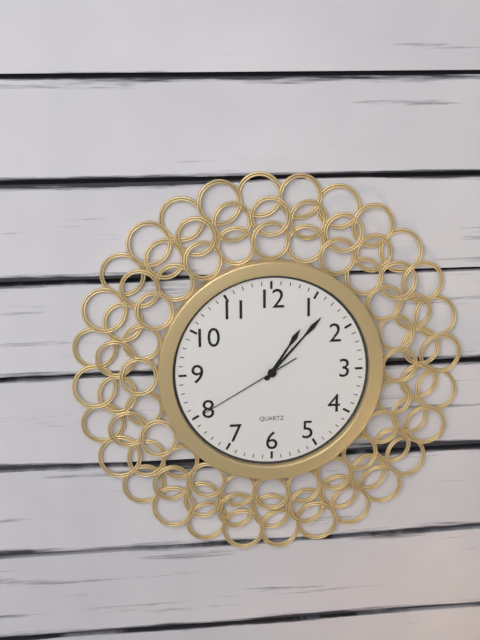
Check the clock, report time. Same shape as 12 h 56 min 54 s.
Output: 1 h 07 min 40 s
